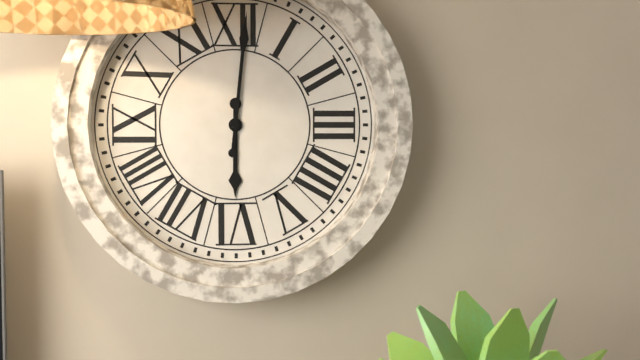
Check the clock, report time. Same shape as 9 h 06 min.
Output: 6 h 01 min
